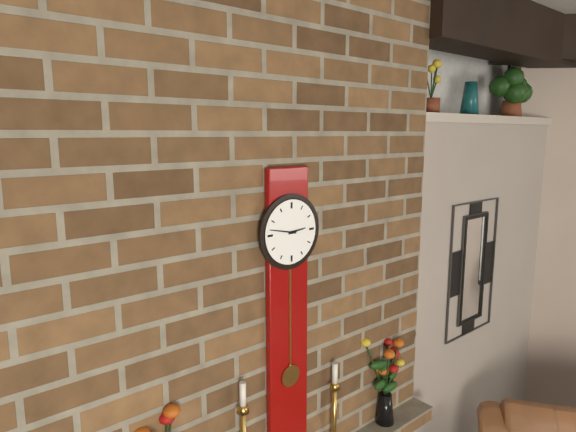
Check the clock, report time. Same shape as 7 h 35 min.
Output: 2 h 47 min
